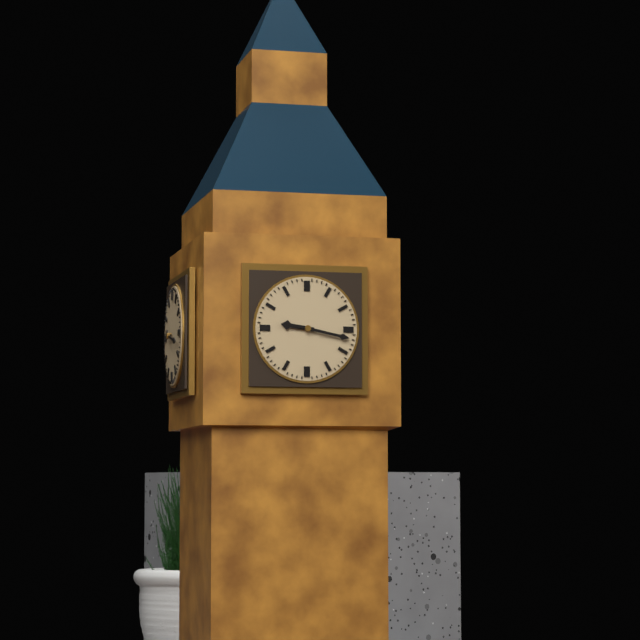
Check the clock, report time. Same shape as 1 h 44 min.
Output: 9 h 17 min
